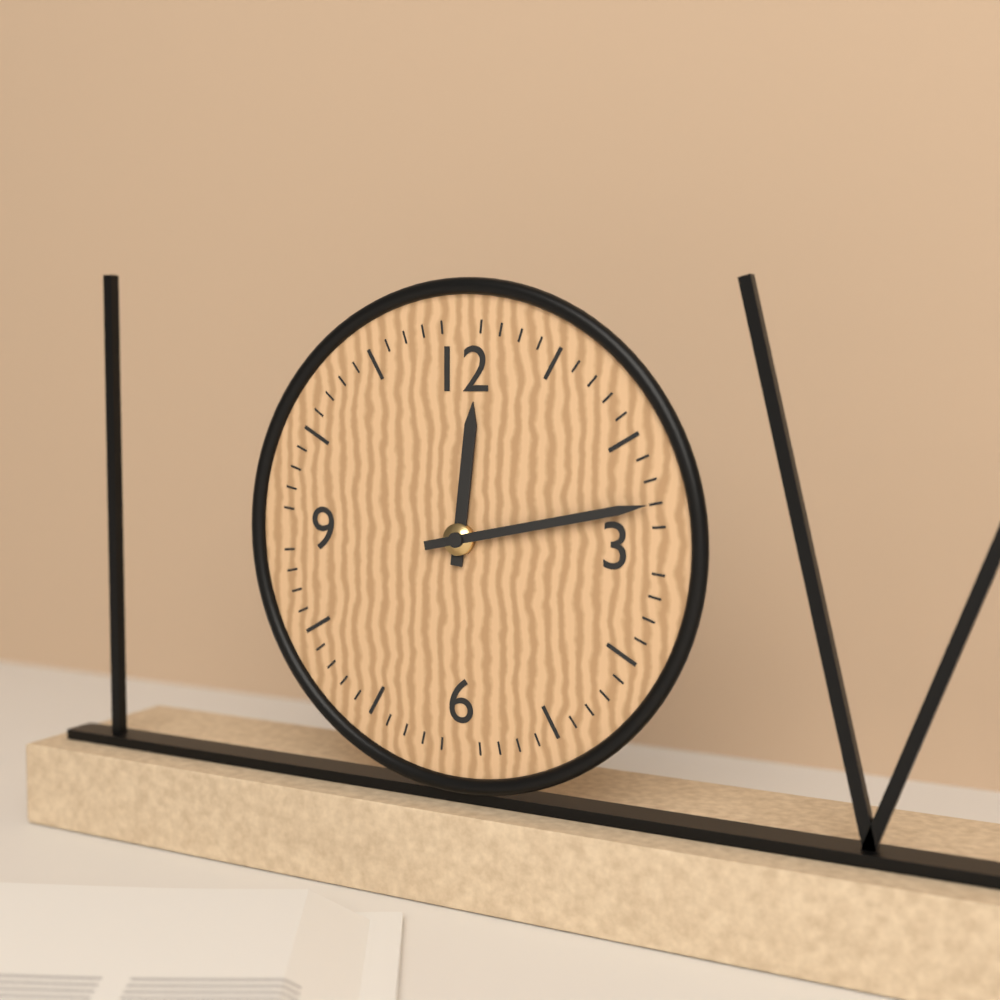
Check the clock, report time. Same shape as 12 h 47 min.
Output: 12 h 13 min
